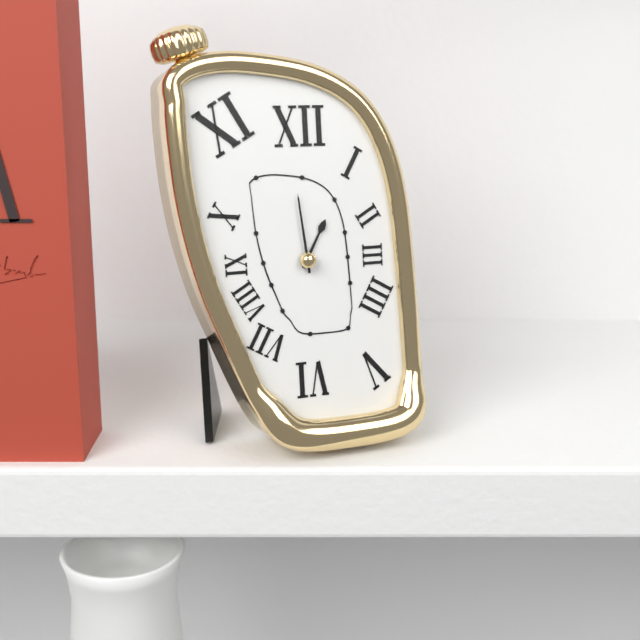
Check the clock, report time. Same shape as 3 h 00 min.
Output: 12 h 59 min
